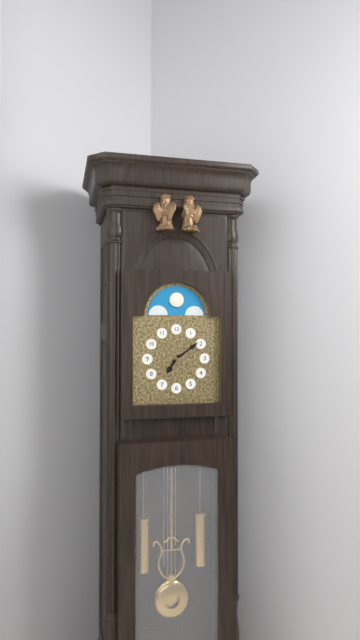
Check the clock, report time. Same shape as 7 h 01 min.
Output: 7 h 09 min
